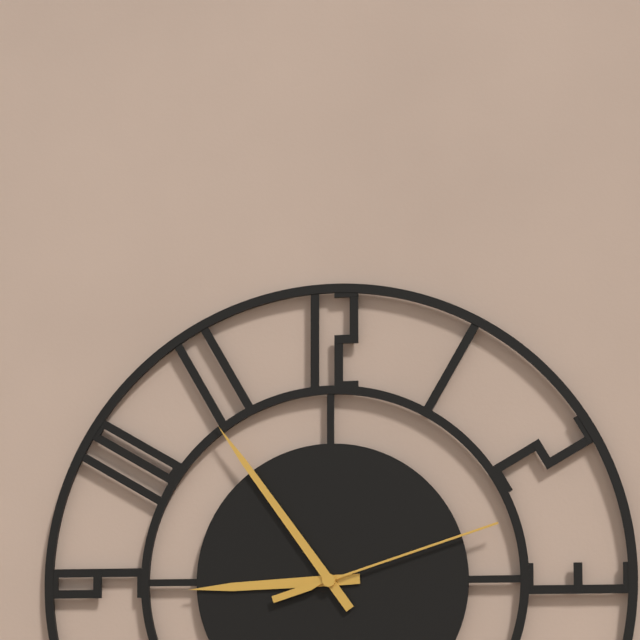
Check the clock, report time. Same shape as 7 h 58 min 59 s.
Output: 8 h 54 min 12 s
